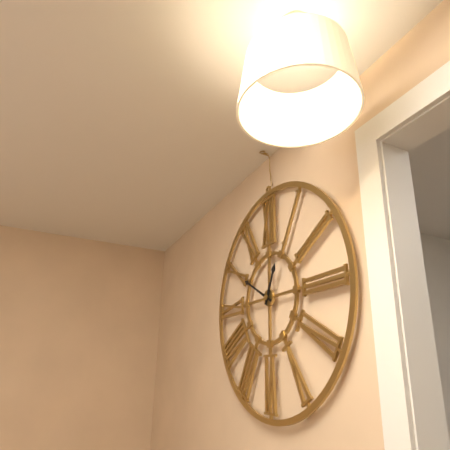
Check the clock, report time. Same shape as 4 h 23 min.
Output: 12 h 50 min
